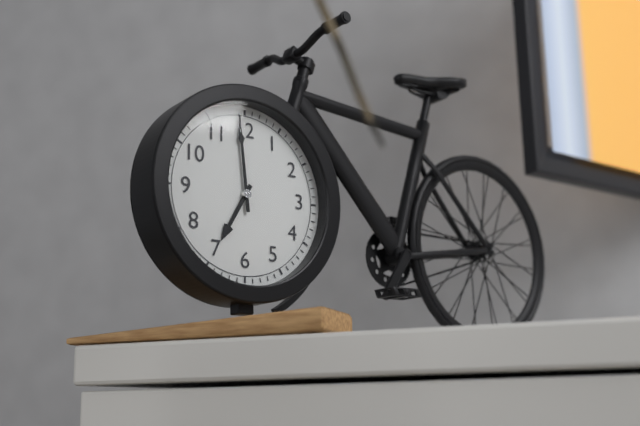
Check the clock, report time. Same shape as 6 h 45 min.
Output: 6 h 59 min
